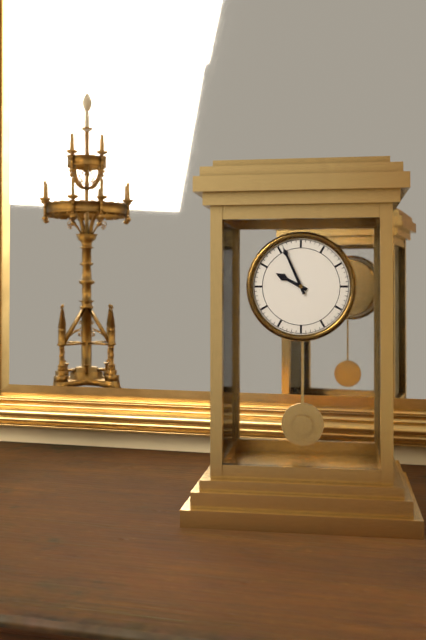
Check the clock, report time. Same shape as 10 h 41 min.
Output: 9 h 56 min
